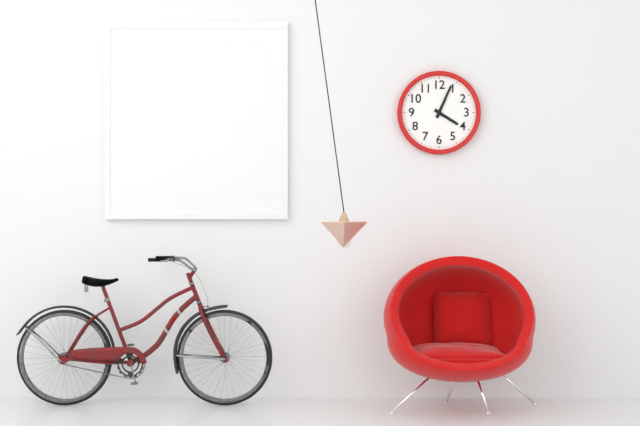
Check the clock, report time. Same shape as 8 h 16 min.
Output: 4 h 04 min
